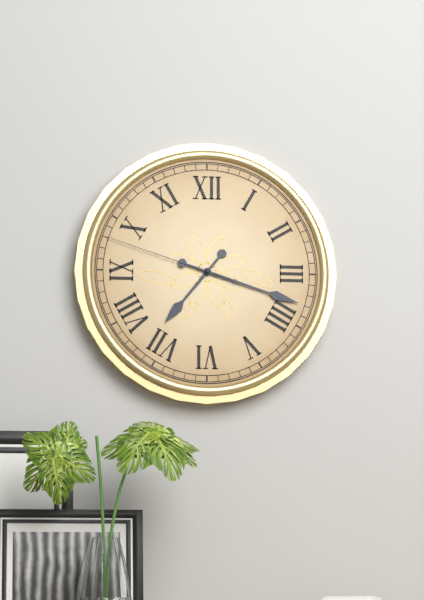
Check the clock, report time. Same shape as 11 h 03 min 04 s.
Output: 7 h 18 min 48 s
